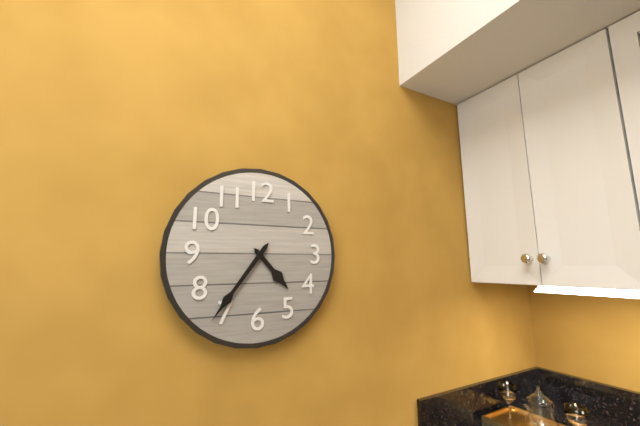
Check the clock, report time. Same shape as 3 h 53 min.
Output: 4 h 36 min
